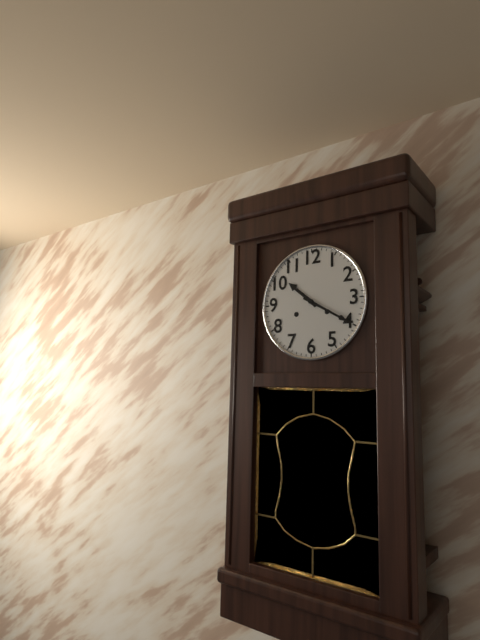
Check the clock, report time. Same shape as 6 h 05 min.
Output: 10 h 20 min
